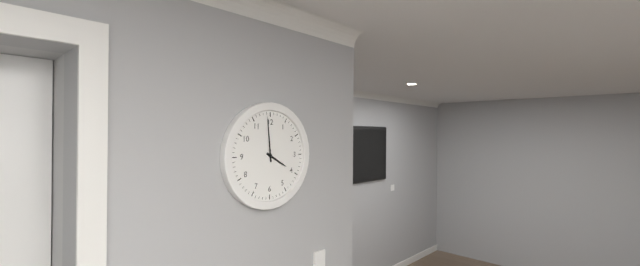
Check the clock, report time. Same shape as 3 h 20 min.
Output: 3 h 59 min
